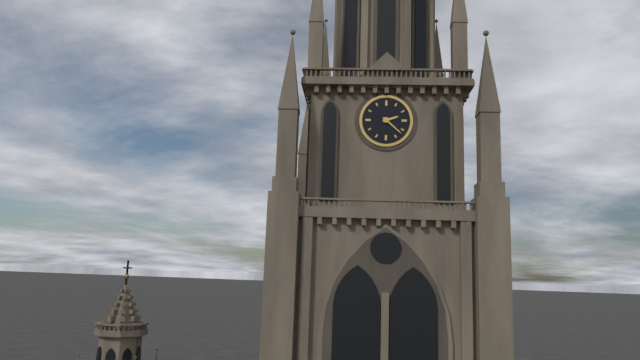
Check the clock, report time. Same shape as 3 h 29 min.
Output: 2 h 22 min
